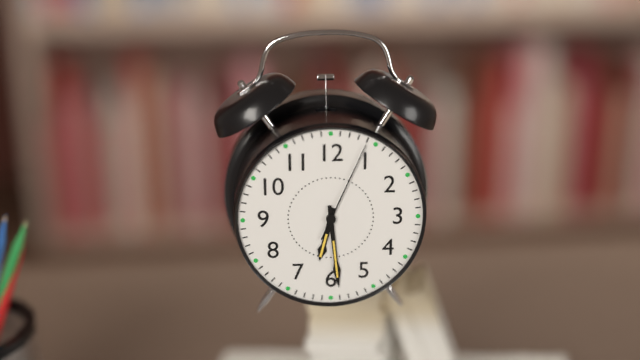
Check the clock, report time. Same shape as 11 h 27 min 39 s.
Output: 6 h 29 min 04 s
